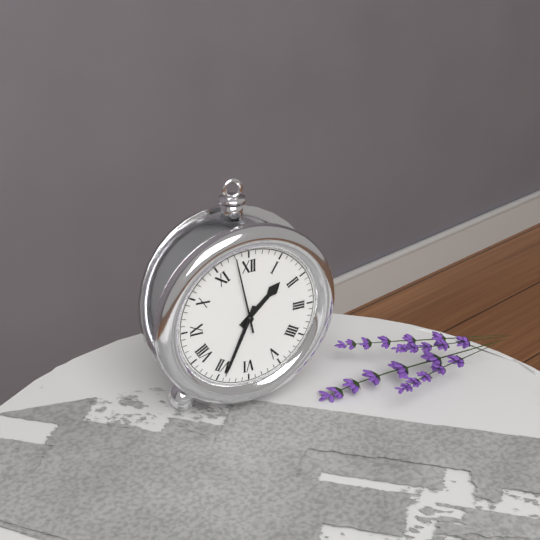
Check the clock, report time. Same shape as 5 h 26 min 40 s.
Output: 1 h 34 min 58 s
